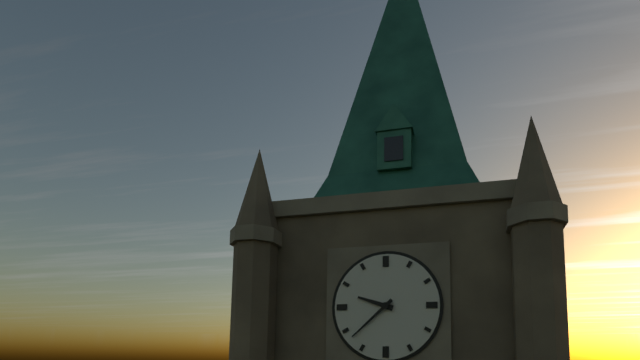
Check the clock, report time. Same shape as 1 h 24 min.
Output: 9 h 38 min
